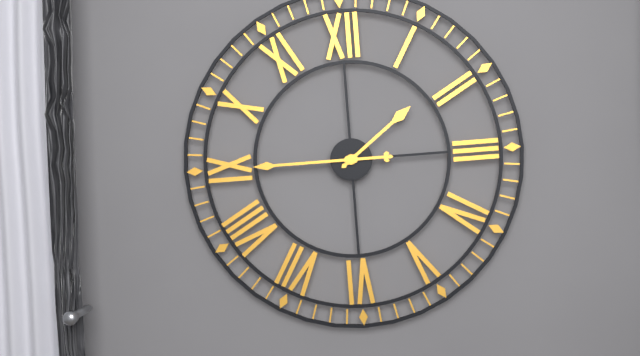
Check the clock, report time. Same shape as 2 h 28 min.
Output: 1 h 45 min
